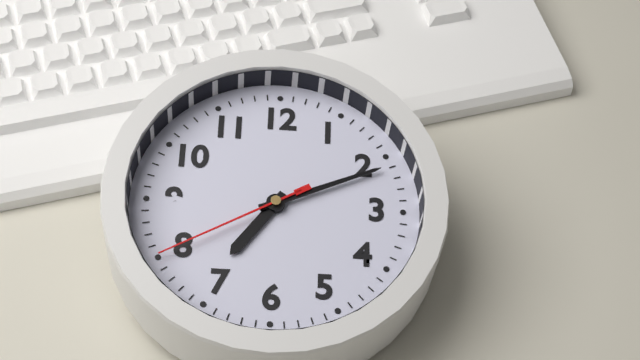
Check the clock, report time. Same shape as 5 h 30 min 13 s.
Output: 7 h 11 min 40 s
